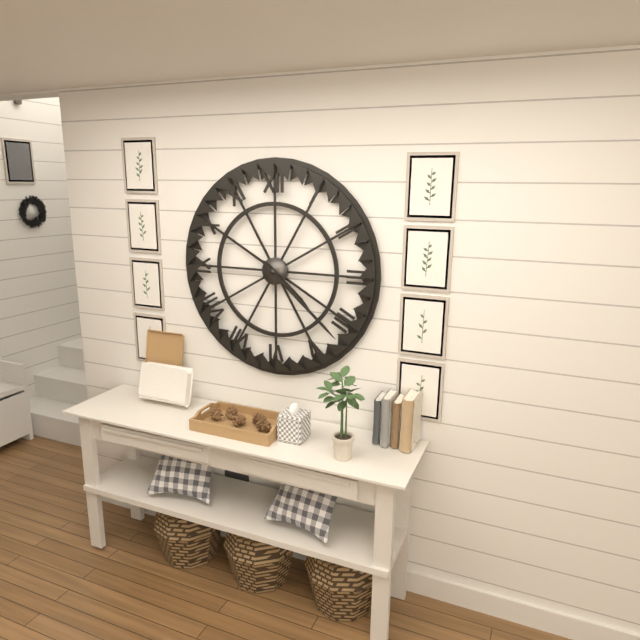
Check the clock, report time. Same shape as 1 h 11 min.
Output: 4 h 22 min
